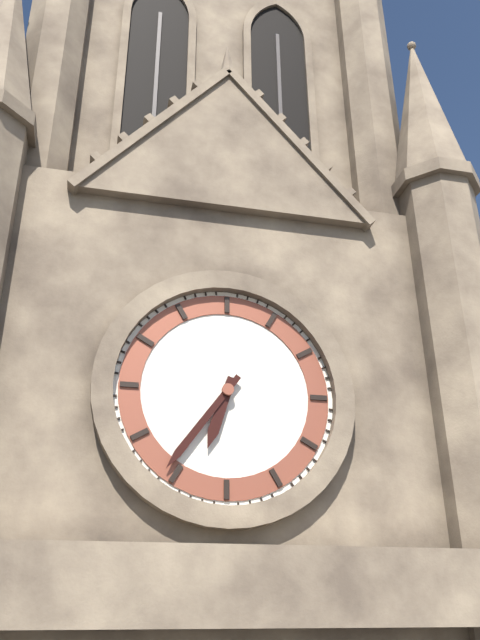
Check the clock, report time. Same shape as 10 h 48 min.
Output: 6 h 36 min
